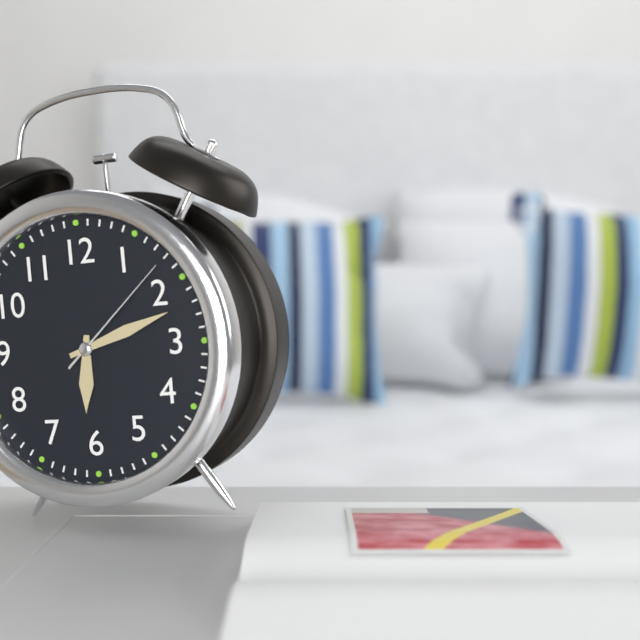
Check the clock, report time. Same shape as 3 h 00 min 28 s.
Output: 6 h 12 min 08 s
